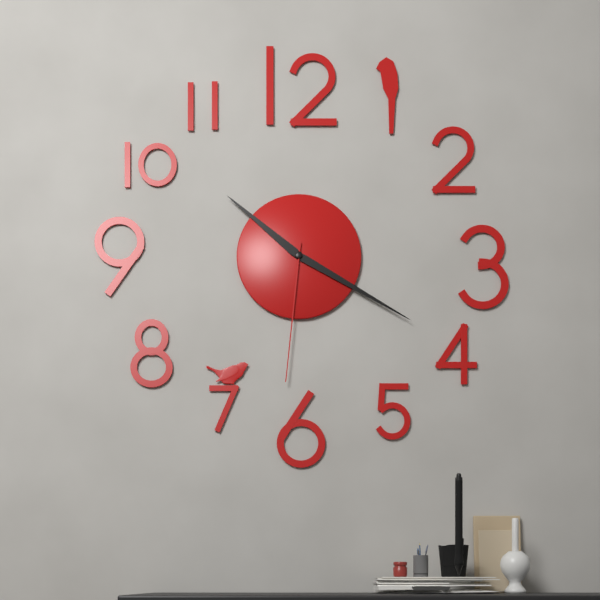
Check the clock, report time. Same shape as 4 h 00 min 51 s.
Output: 10 h 20 min 31 s
